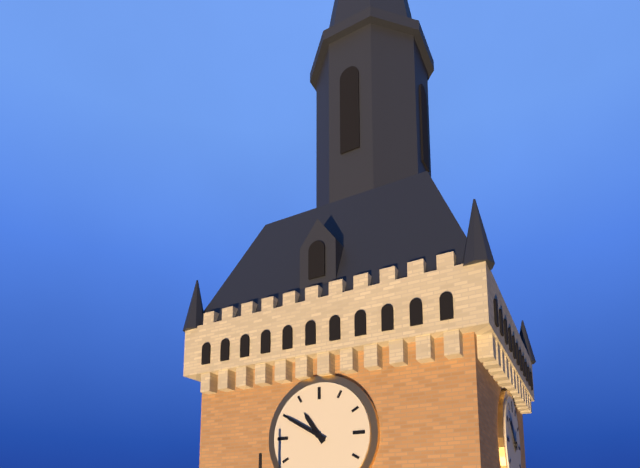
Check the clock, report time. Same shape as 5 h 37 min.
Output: 10 h 50 min
